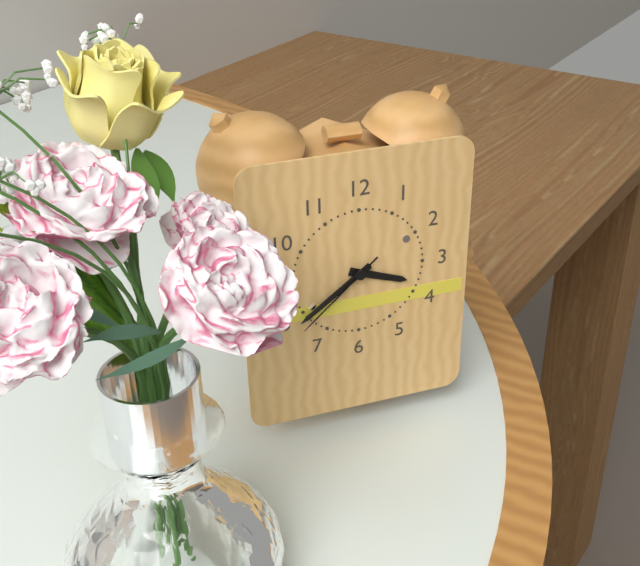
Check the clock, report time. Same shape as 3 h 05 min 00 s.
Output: 3 h 39 min 38 s
